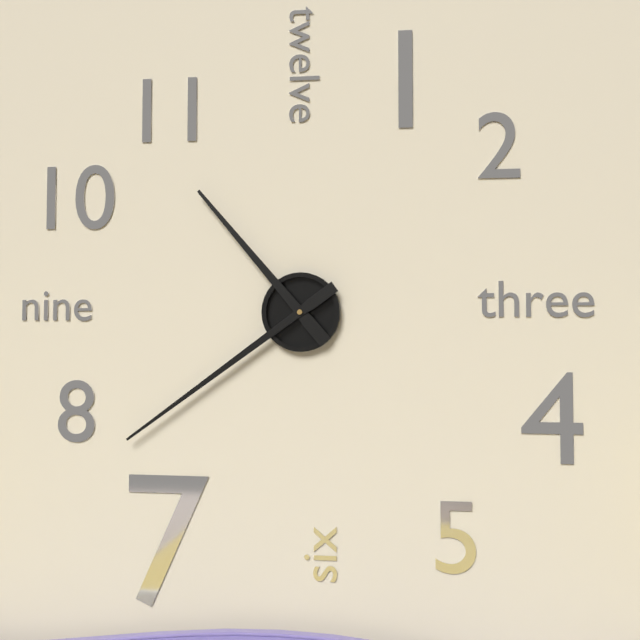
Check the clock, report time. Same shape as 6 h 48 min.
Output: 10 h 39 min
